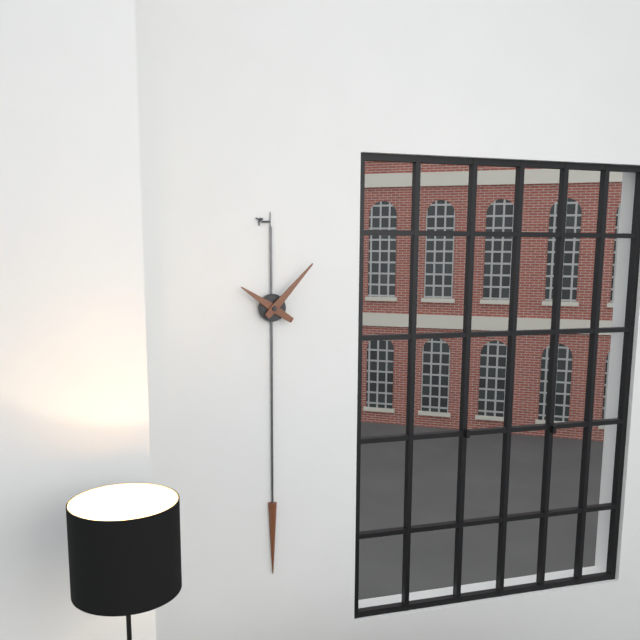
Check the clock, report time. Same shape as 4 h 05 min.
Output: 10 h 07 min
